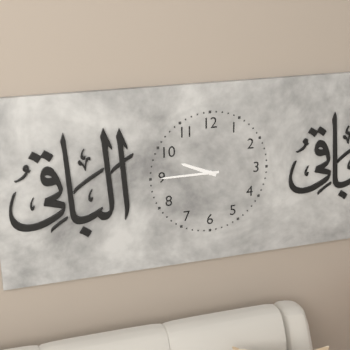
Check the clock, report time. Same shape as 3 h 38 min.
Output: 9 h 45 min
